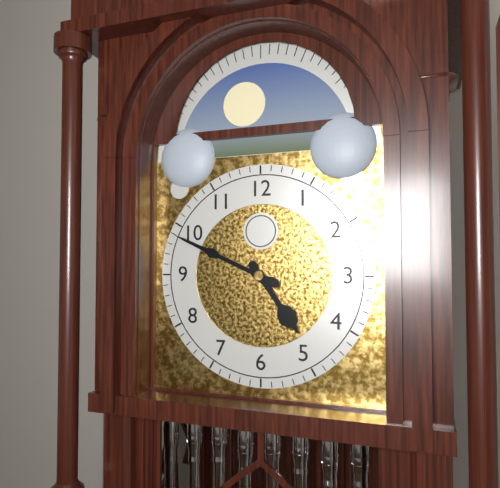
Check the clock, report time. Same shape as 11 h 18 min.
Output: 4 h 49 min
